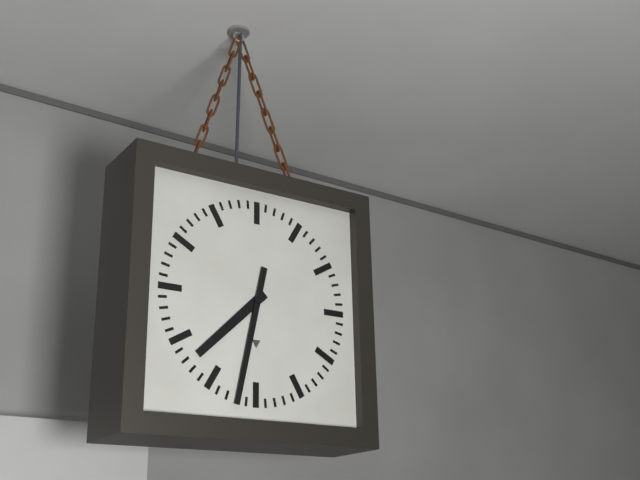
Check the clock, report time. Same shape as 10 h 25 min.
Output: 7 h 32 min
